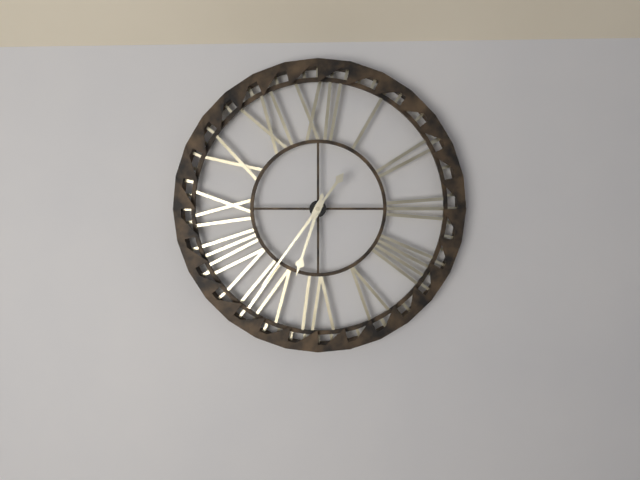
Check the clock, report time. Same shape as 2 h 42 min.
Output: 6 h 36 min
